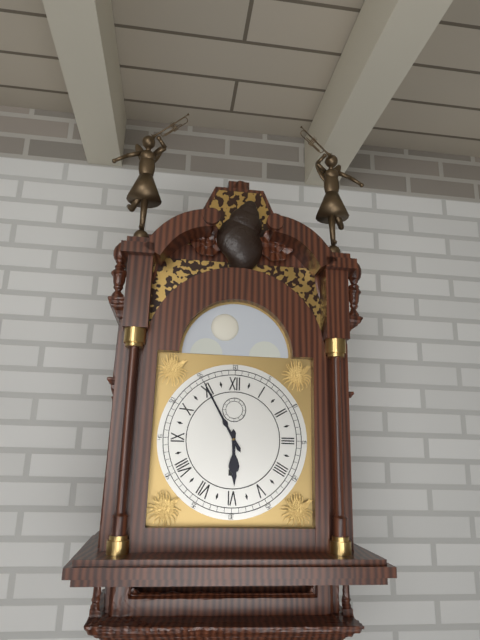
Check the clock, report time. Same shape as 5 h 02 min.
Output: 5 h 55 min
